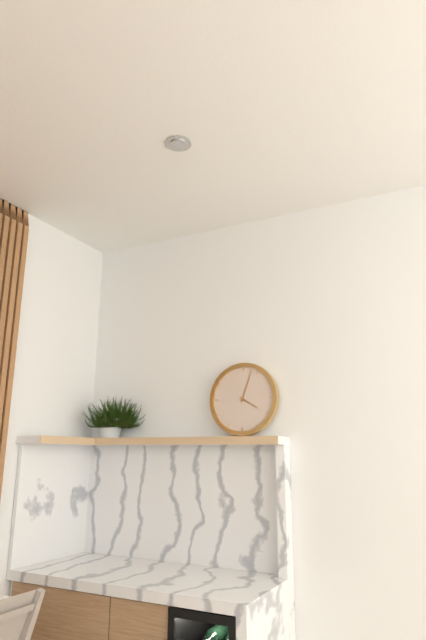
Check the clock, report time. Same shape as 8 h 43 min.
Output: 4 h 03 min
